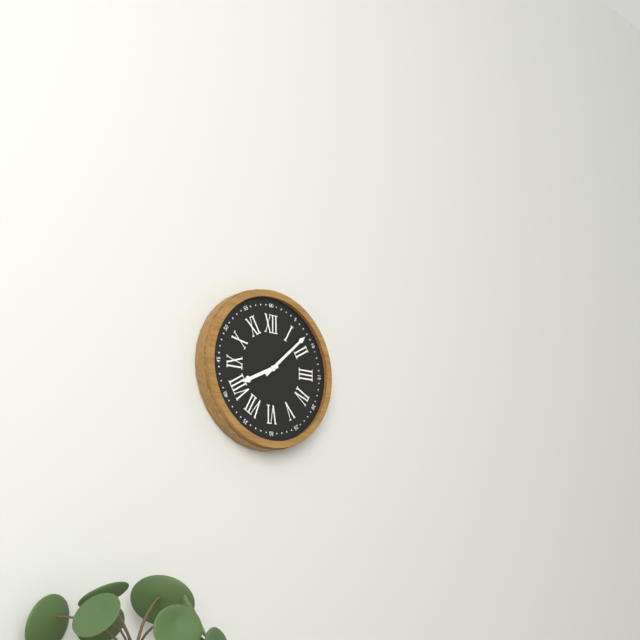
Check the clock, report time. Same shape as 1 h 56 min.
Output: 8 h 08 min
